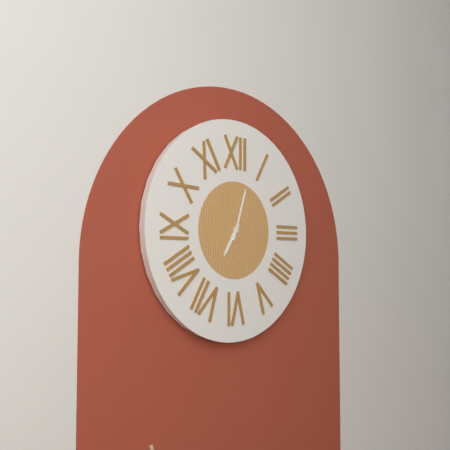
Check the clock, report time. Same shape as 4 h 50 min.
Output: 7 h 03 min
